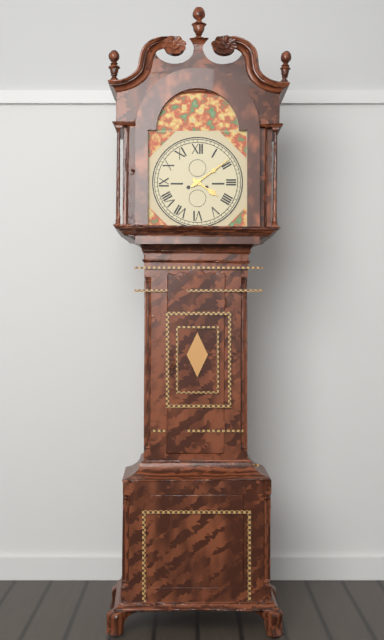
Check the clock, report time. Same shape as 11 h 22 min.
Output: 4 h 09 min
